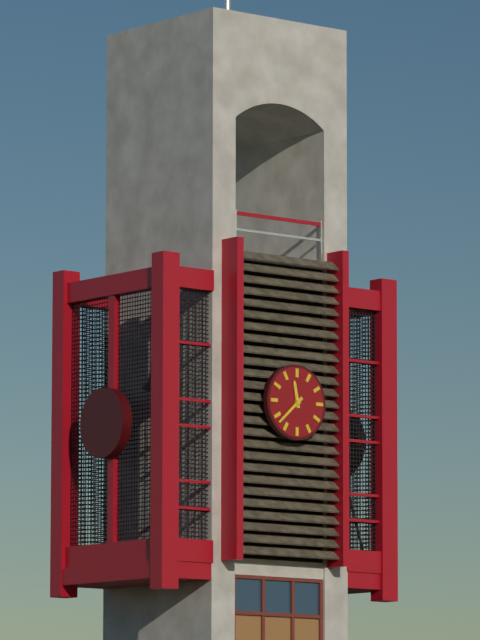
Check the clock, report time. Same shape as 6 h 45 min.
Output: 11 h 38 min
